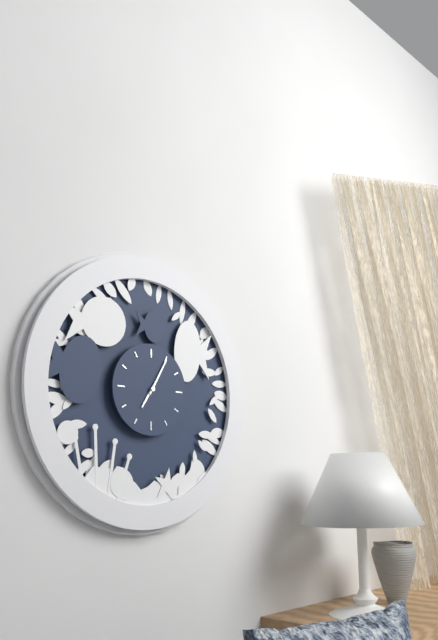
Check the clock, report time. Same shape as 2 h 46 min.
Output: 7 h 05 min
